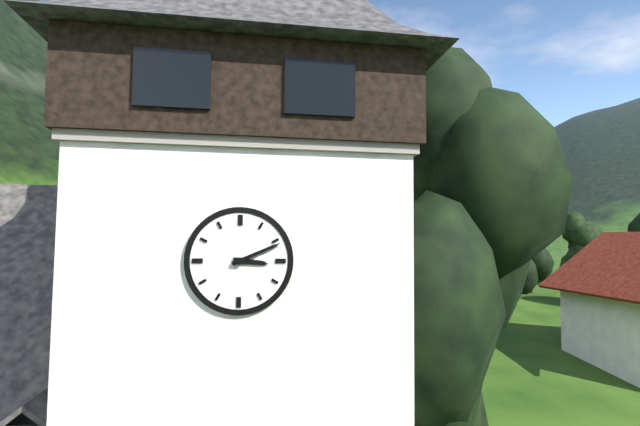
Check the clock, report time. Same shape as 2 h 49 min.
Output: 3 h 11 min
